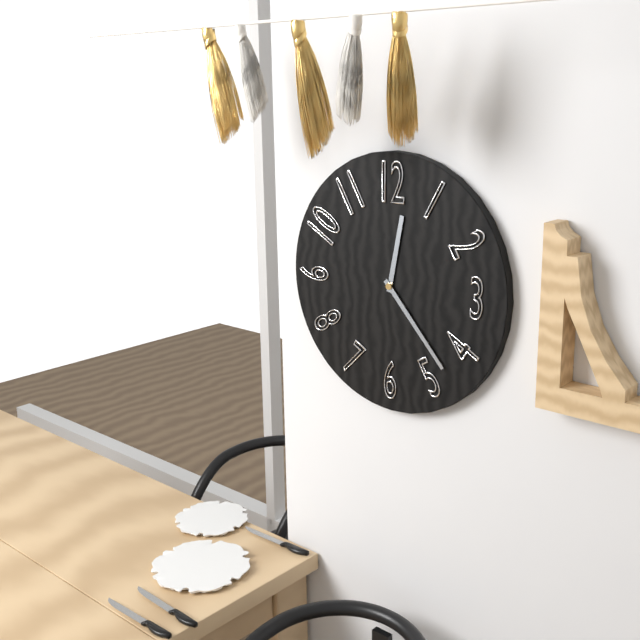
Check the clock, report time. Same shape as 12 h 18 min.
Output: 12 h 23 min
